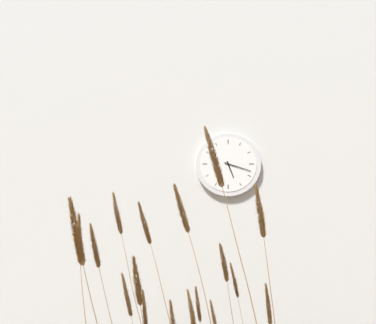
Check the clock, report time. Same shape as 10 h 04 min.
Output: 5 h 18 min
